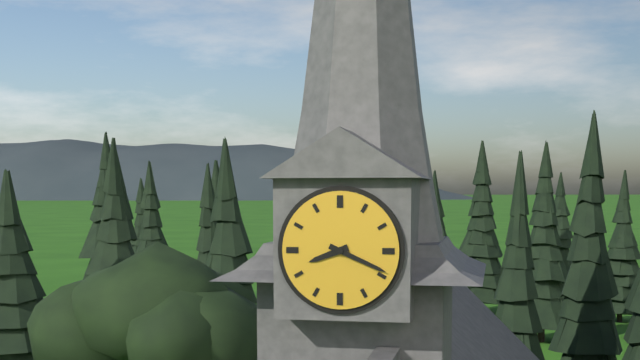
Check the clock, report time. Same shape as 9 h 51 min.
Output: 8 h 19 min
